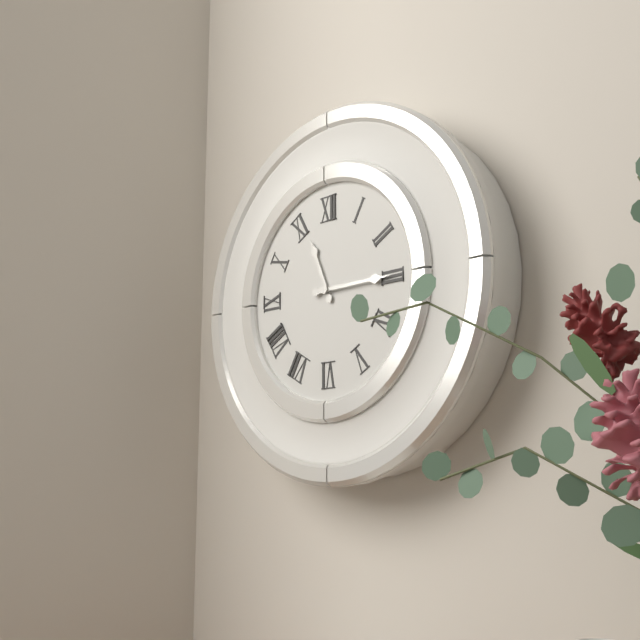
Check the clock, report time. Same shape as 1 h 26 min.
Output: 11 h 15 min
